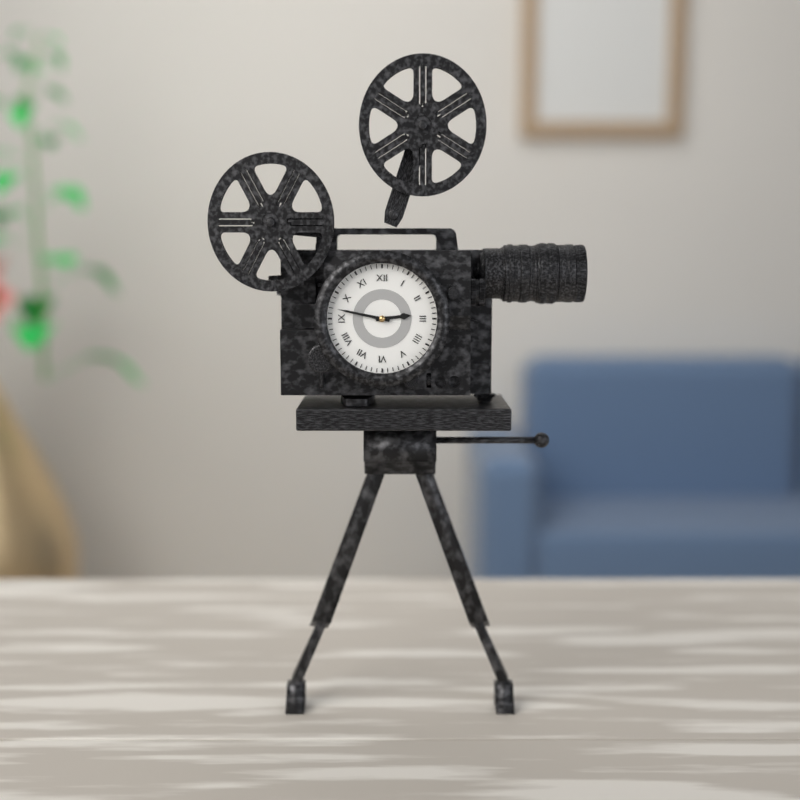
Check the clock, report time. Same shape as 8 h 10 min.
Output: 2 h 47 min
